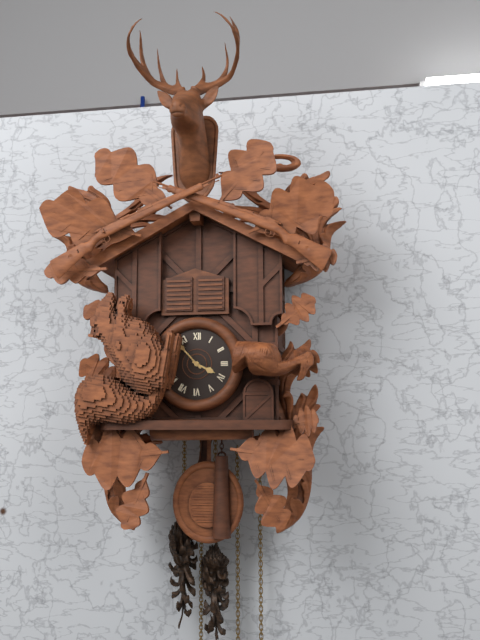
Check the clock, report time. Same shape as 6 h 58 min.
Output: 3 h 53 min
